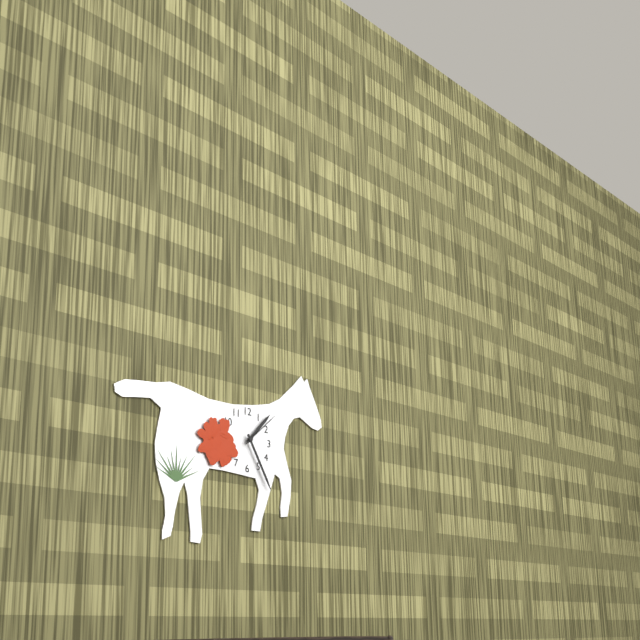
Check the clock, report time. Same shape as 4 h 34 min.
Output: 1 h 25 min
